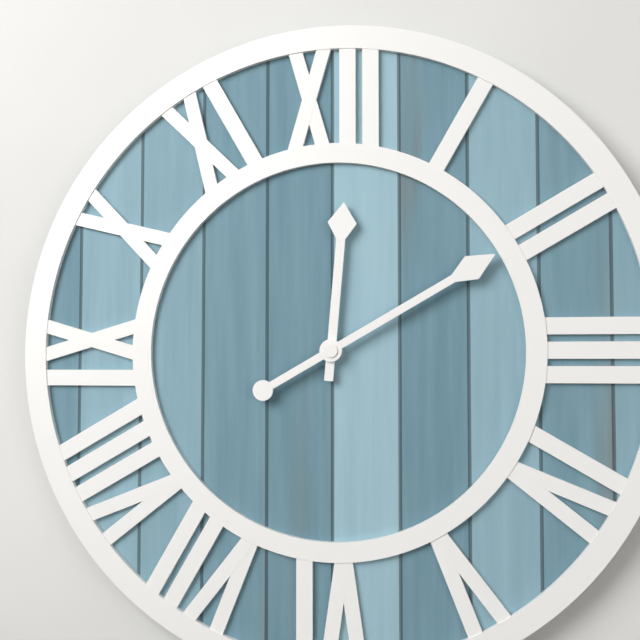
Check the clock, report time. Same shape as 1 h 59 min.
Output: 12 h 10 min
